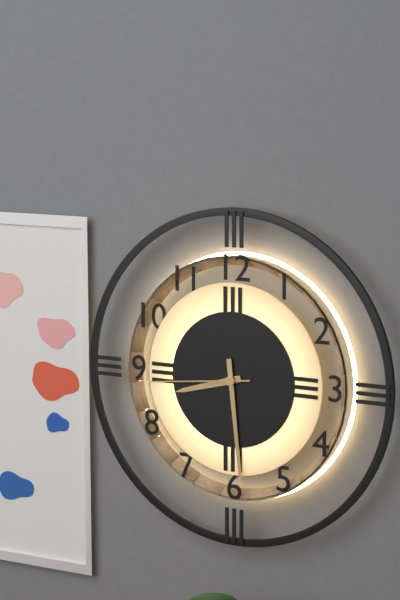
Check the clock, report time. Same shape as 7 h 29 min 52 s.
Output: 8 h 29 min 44 s
